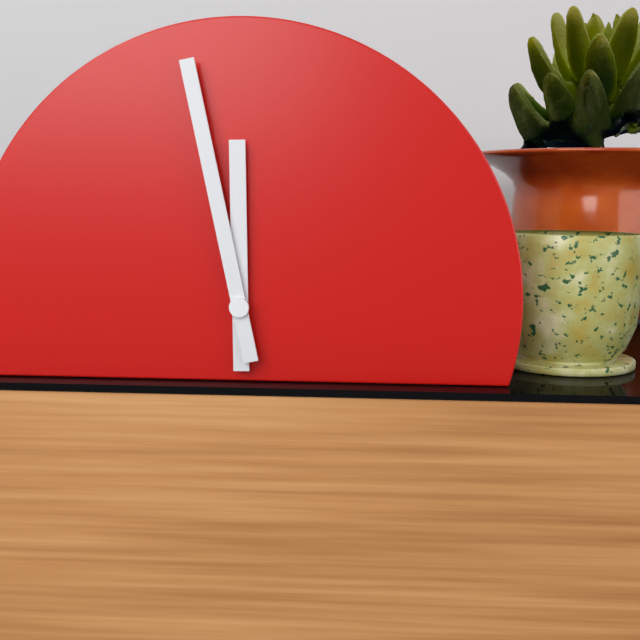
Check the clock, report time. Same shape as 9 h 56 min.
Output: 11 h 58 min
